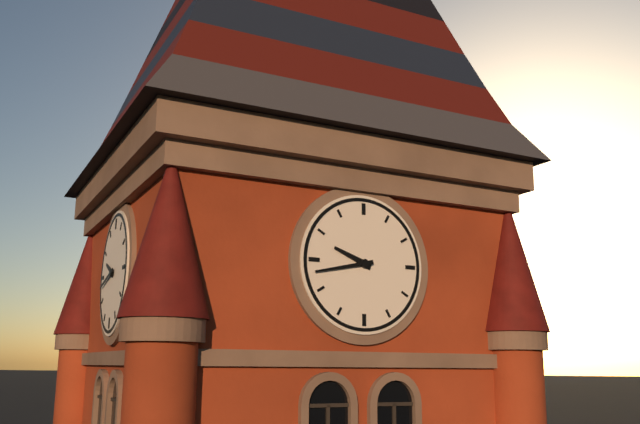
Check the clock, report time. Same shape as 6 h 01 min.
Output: 9 h 43 min
